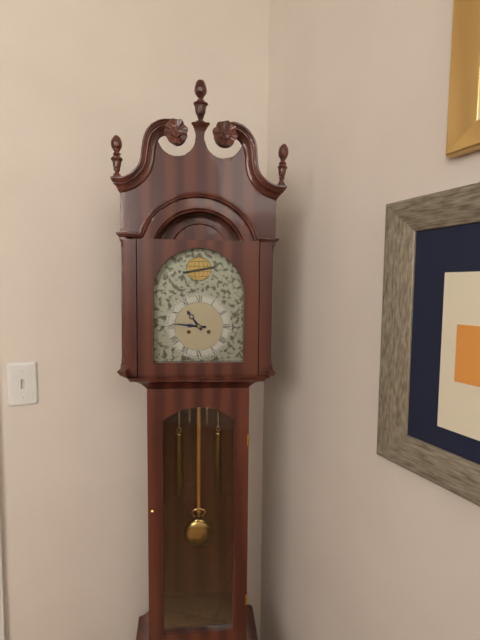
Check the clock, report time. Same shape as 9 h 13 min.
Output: 10 h 46 min
